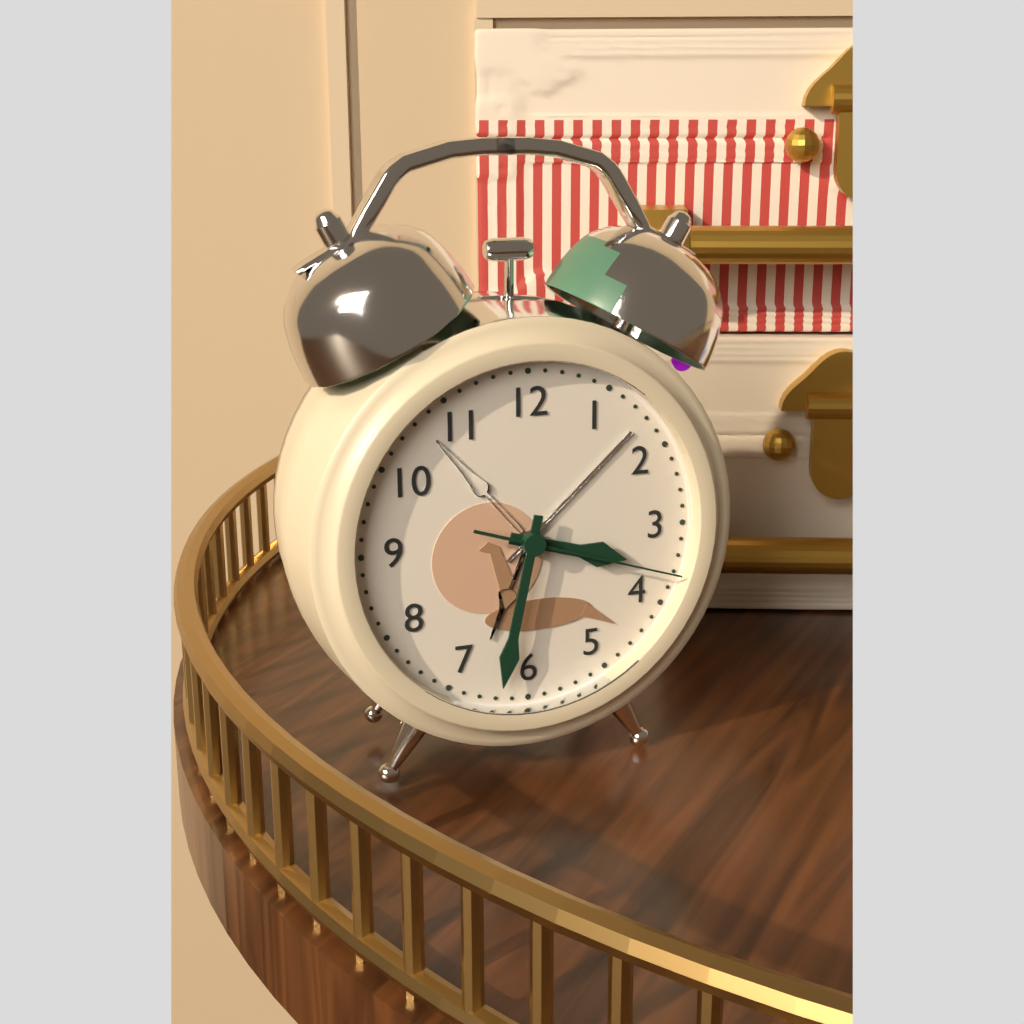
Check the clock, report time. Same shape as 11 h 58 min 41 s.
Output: 3 h 32 min 18 s
